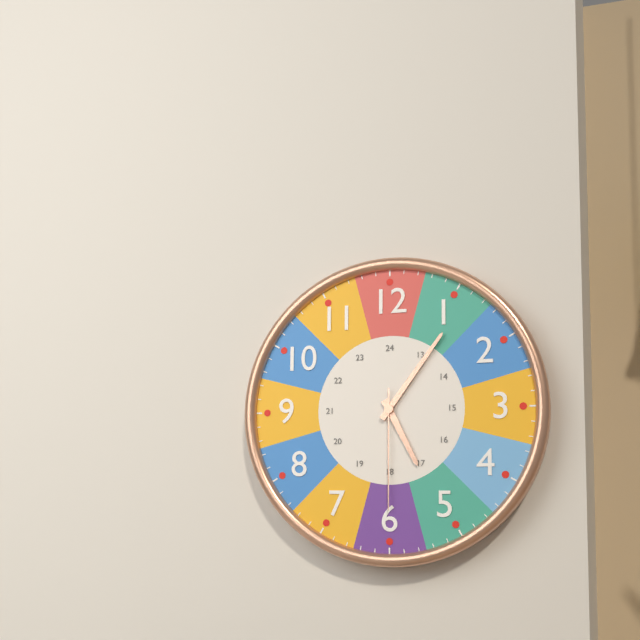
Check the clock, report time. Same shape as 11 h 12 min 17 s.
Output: 5 h 06 min 30 s
